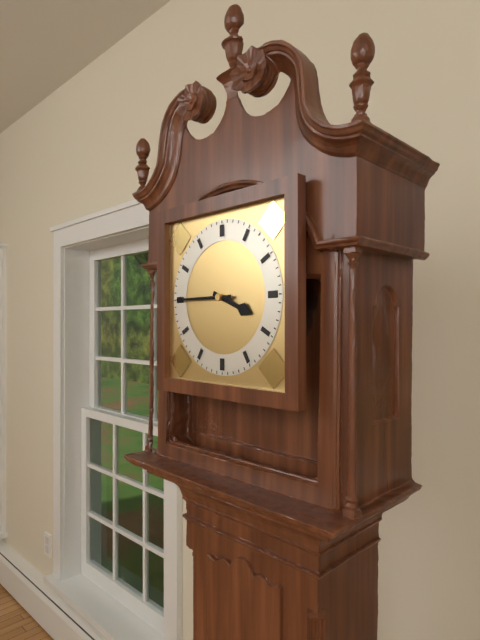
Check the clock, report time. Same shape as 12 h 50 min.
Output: 3 h 45 min
